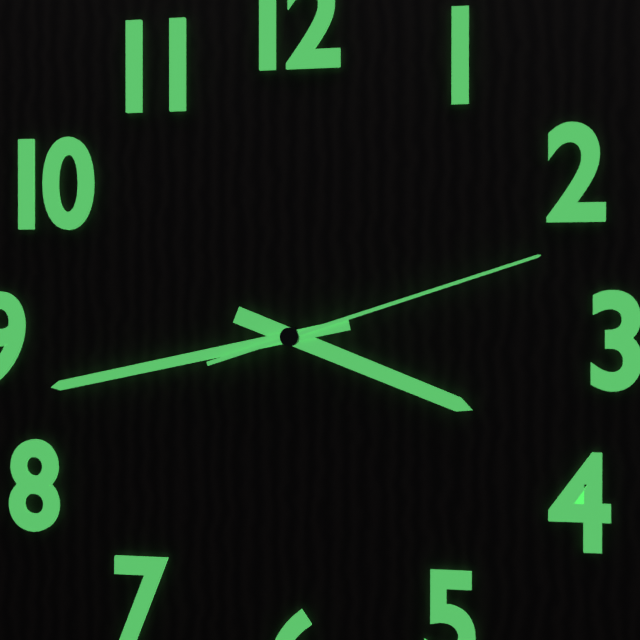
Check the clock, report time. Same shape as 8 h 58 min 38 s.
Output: 3 h 43 min 12 s
